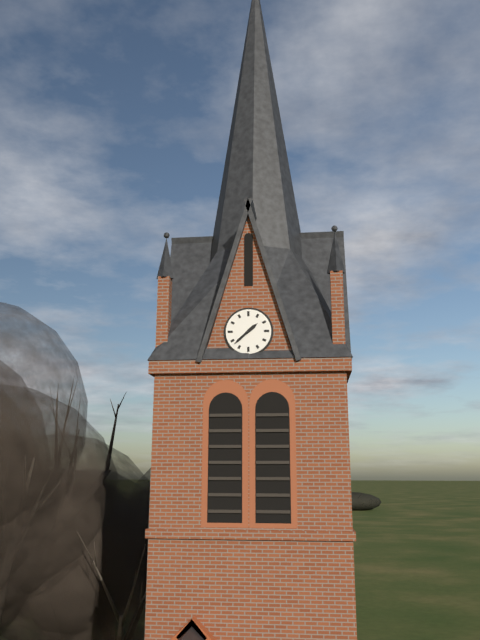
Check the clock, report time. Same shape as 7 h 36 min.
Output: 1 h 38 min
